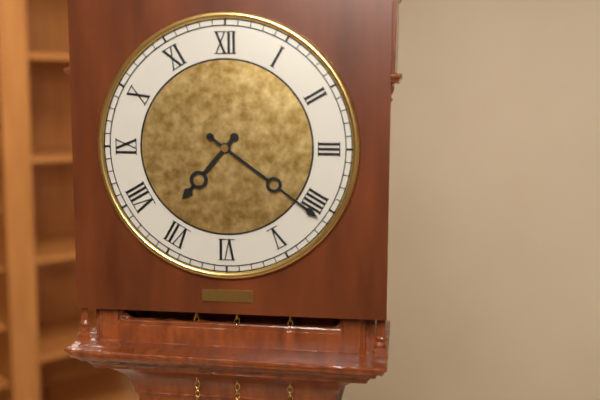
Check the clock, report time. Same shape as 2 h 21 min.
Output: 7 h 21 min
